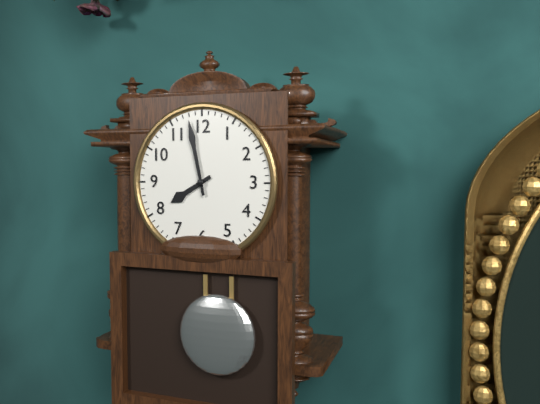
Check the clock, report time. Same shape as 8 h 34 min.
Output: 7 h 58 min
